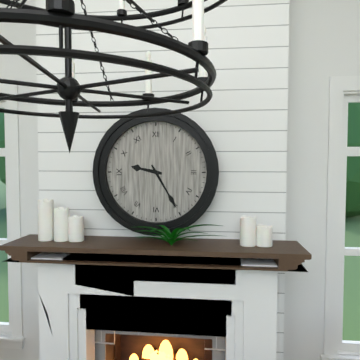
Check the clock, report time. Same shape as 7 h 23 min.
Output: 9 h 25 min
